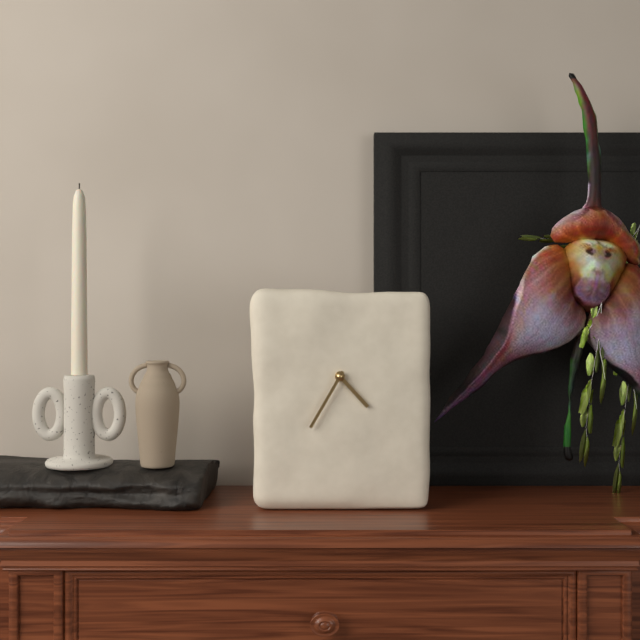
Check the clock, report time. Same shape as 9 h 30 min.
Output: 4 h 35 min
